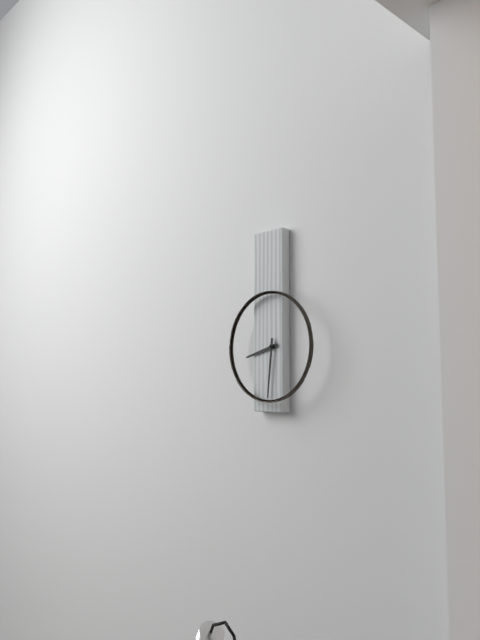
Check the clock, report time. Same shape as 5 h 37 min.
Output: 8 h 31 min
